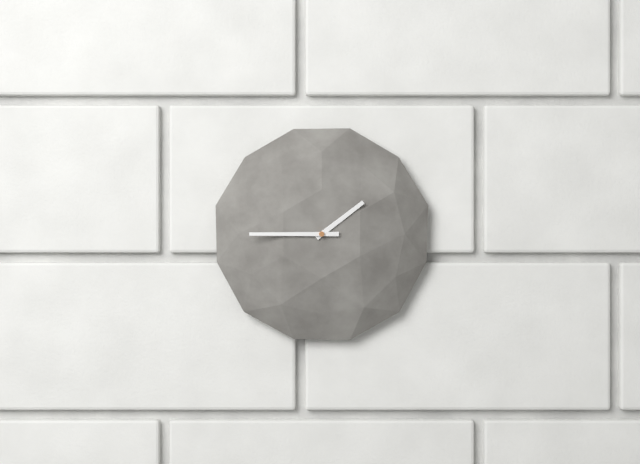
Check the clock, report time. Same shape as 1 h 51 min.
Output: 1 h 45 min
